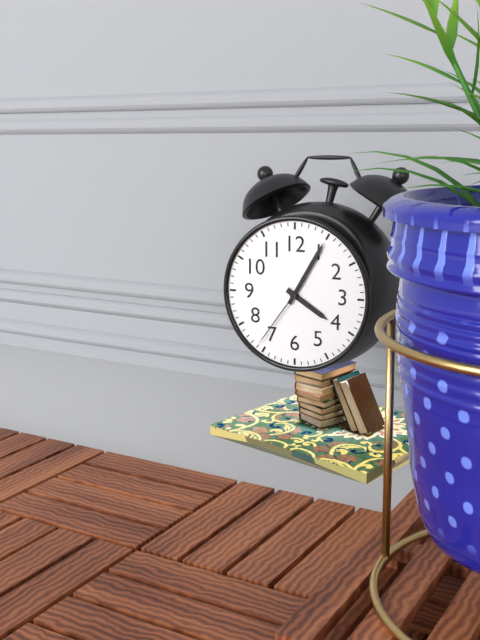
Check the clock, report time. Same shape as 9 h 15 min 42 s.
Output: 4 h 05 min 36 s
